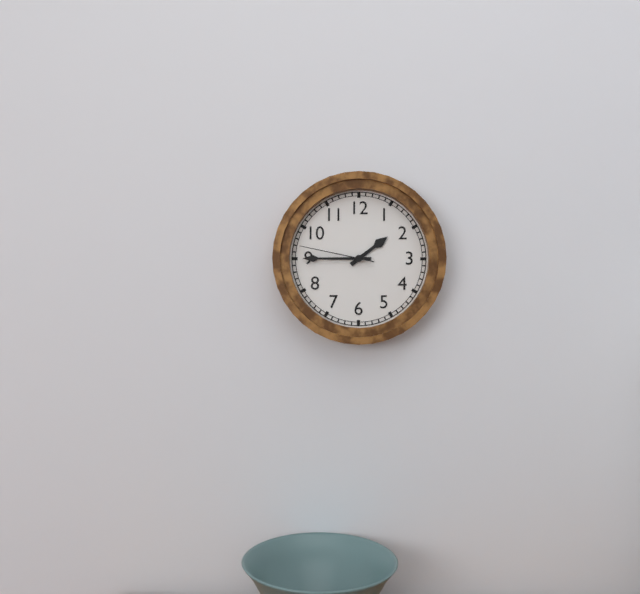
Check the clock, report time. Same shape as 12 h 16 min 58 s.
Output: 1 h 45 min 47 s
